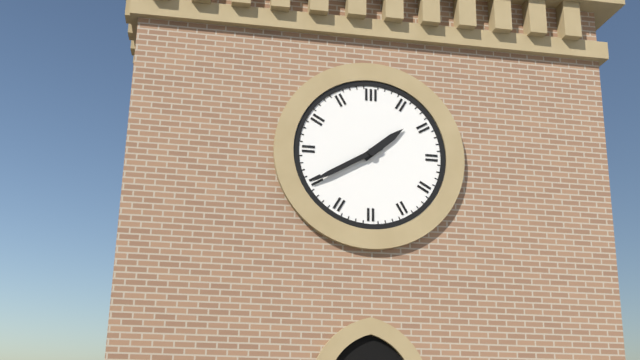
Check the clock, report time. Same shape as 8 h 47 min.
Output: 1 h 40 min
